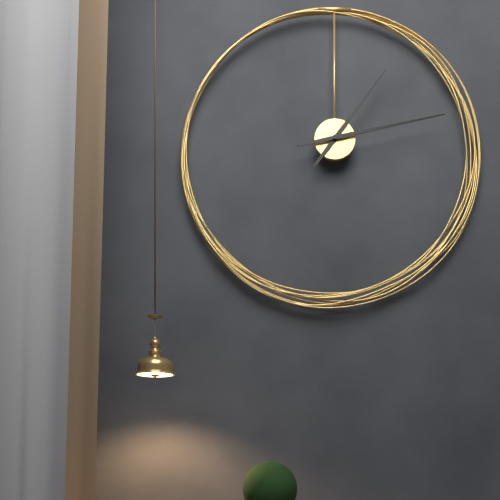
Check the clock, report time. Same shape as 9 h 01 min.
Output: 1 h 13 min
